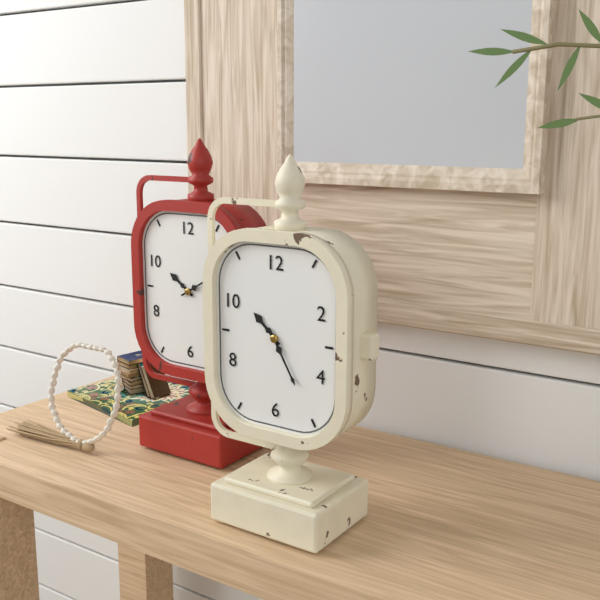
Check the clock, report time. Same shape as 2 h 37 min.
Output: 10 h 25 min
